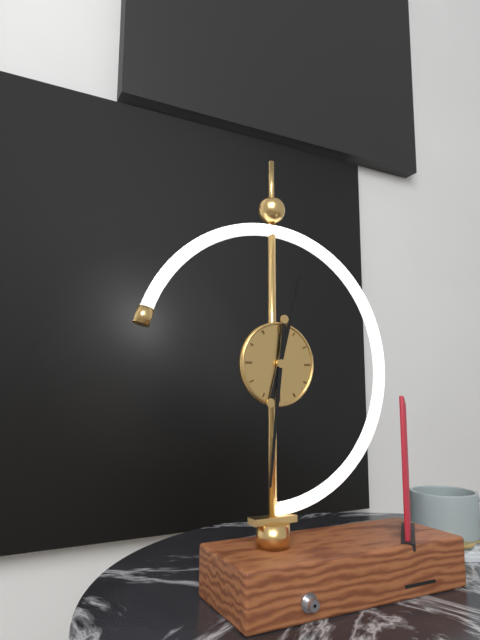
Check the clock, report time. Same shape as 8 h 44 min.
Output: 12 h 31 min
